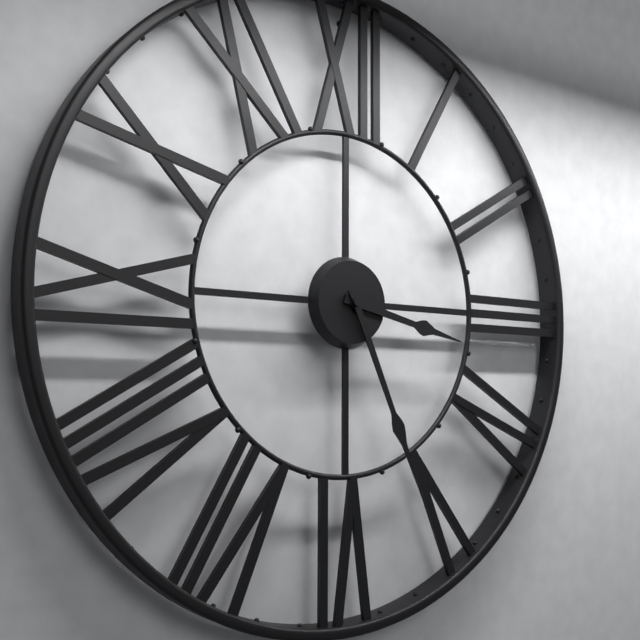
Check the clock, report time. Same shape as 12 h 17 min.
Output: 3 h 26 min
